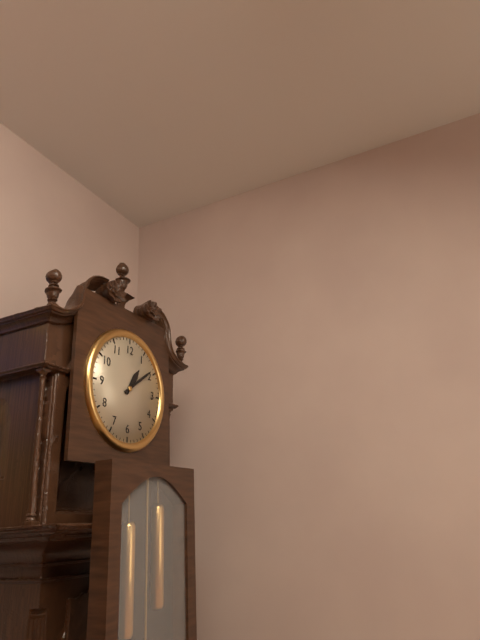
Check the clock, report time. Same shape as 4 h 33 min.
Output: 1 h 09 min
